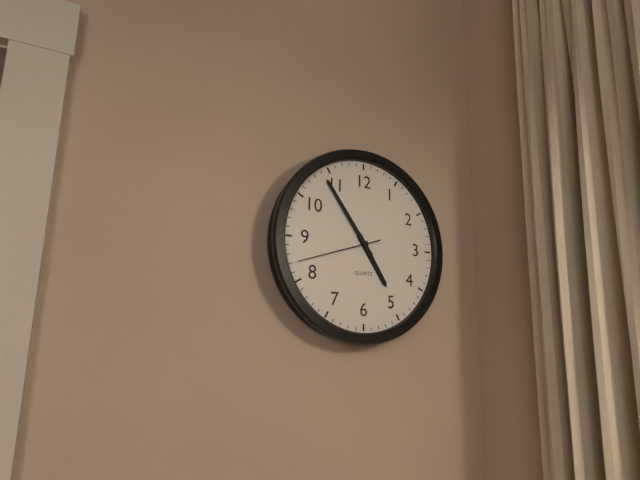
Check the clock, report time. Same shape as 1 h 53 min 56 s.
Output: 4 h 54 min 42 s
